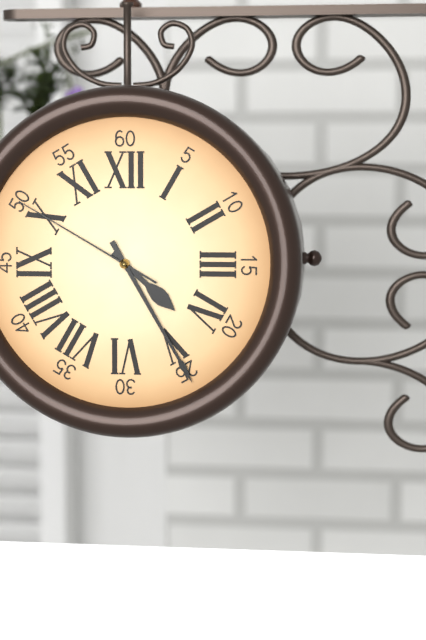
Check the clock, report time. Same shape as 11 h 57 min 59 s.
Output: 4 h 25 min 50 s
